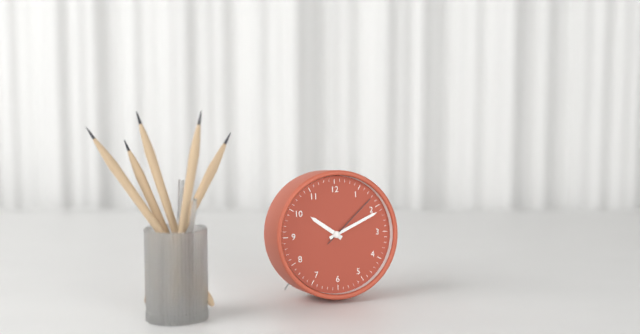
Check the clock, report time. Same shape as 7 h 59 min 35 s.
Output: 10 h 11 min 08 s
